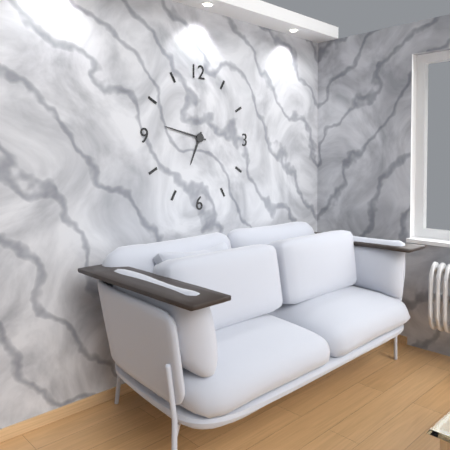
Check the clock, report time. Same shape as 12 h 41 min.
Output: 6 h 47 min
